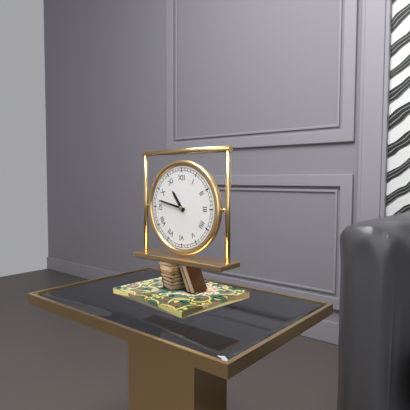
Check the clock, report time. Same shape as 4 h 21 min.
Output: 10 h 47 min
